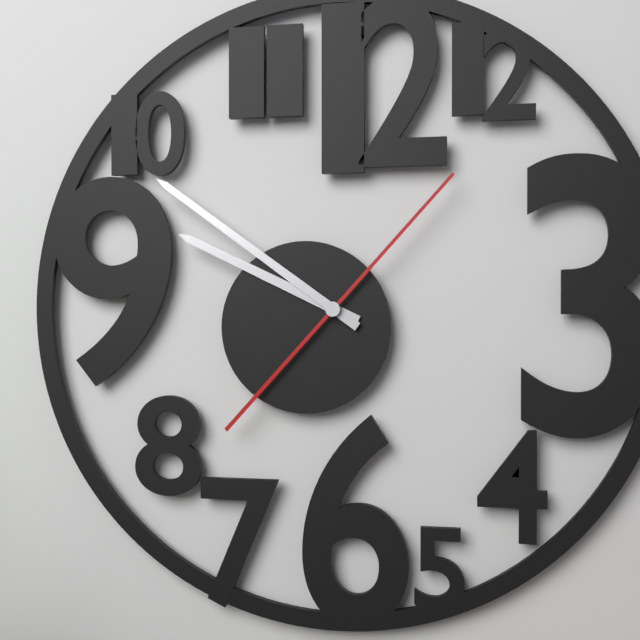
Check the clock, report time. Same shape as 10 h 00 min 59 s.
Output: 9 h 51 min 07 s
